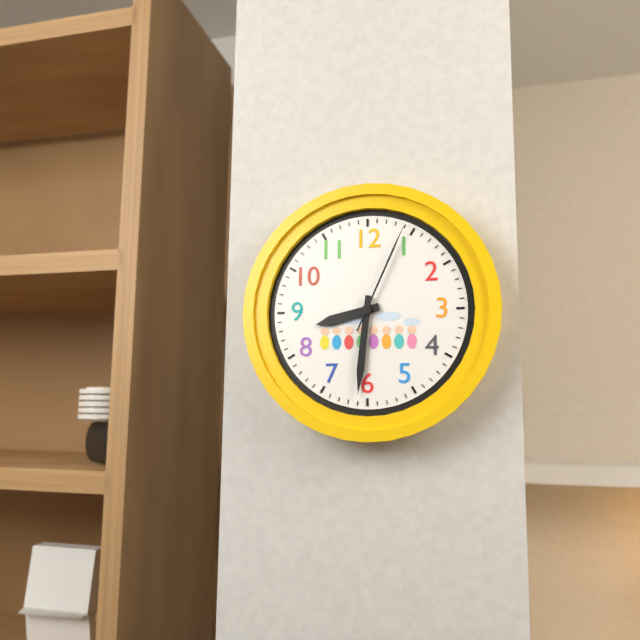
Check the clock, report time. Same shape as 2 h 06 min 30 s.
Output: 8 h 31 min 04 s
